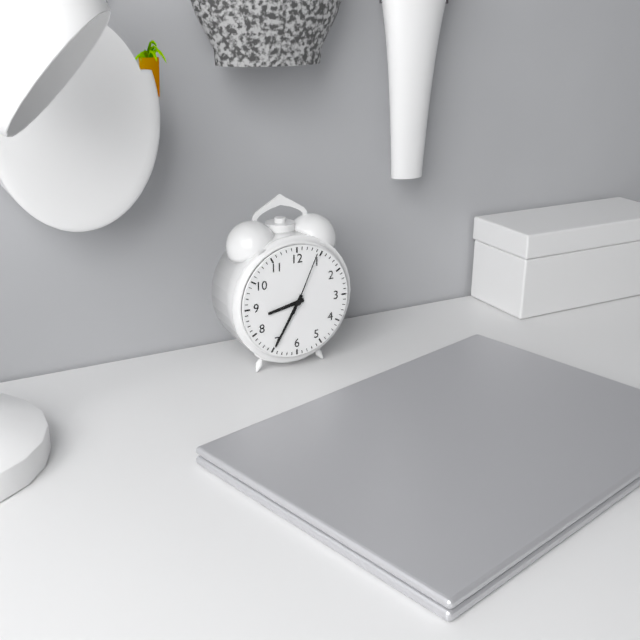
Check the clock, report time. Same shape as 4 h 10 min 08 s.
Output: 8 h 35 min 04 s
